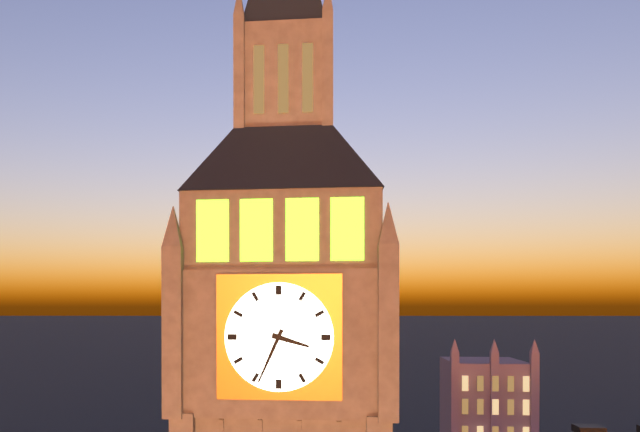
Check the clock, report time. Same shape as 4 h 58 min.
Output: 3 h 34 min
